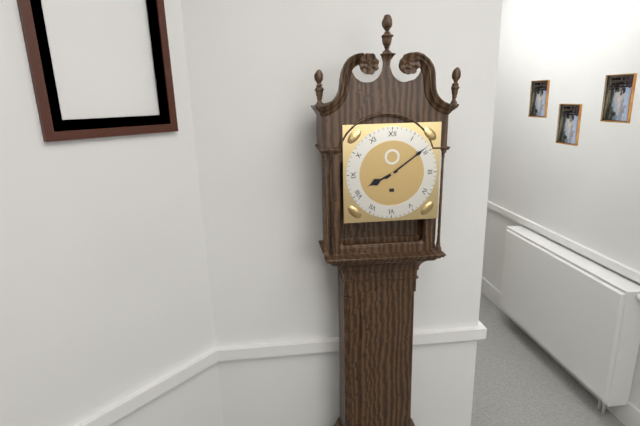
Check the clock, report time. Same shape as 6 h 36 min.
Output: 8 h 09 min
